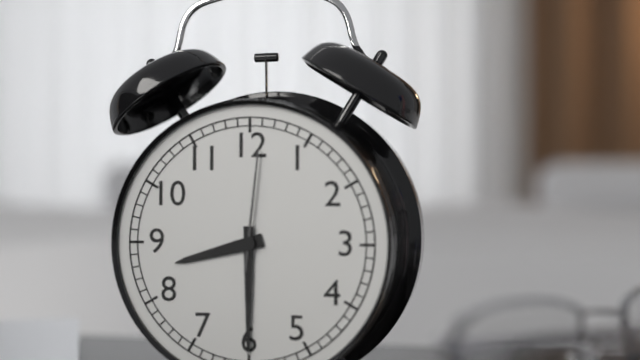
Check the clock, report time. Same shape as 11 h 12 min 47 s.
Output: 8 h 30 min 01 s
